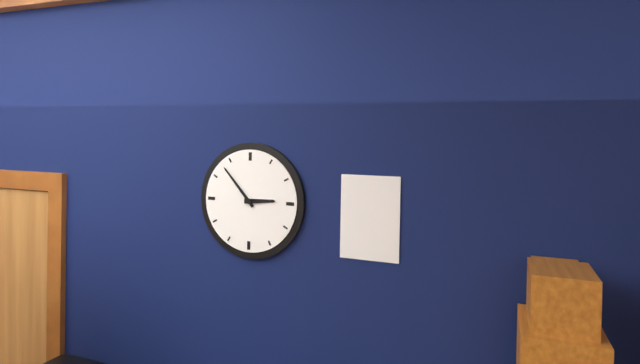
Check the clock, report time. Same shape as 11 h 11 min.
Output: 2 h 53 min
